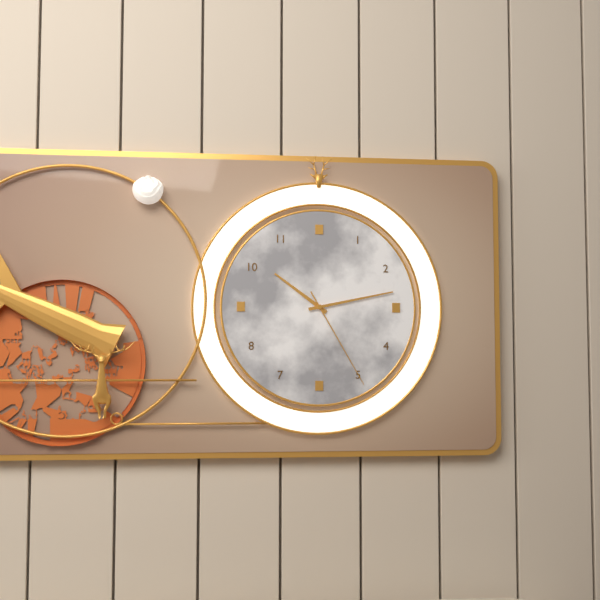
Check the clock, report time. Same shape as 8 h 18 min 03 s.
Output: 10 h 13 min 25 s
